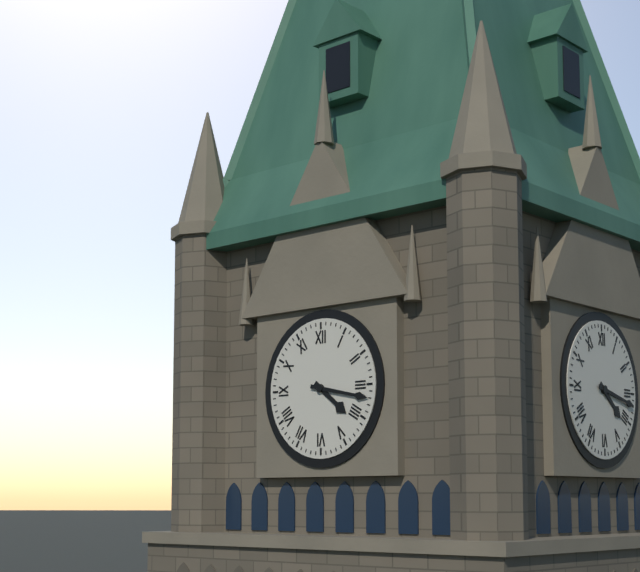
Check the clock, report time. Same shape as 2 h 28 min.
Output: 4 h 17 min
